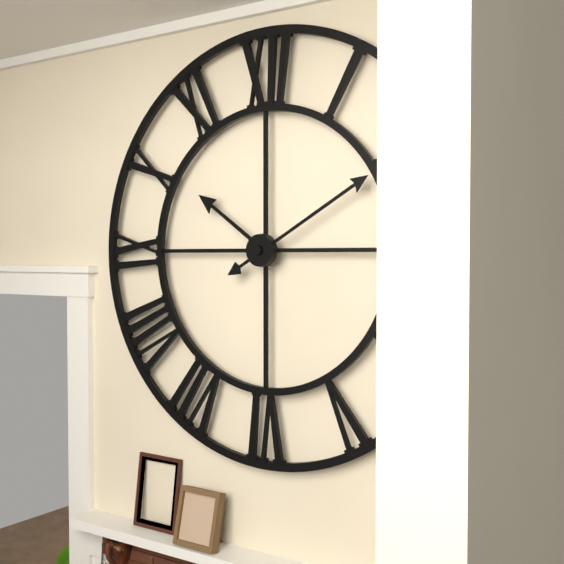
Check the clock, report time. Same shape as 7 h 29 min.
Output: 10 h 10 min
